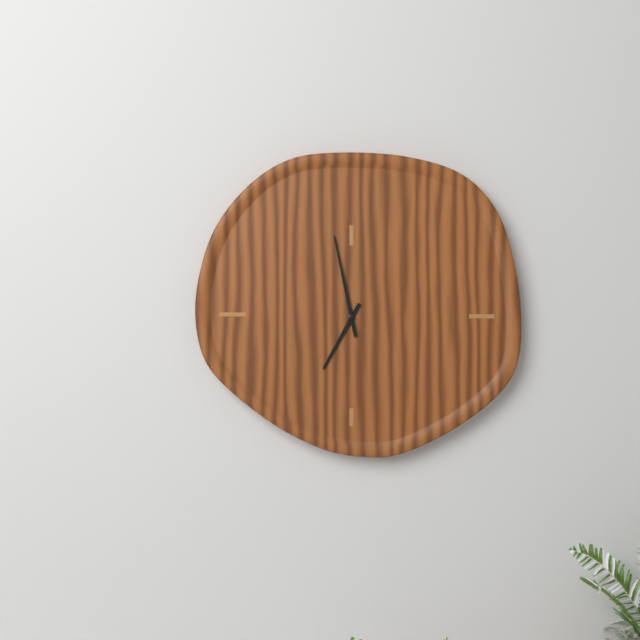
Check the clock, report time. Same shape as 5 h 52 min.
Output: 6 h 58 min
